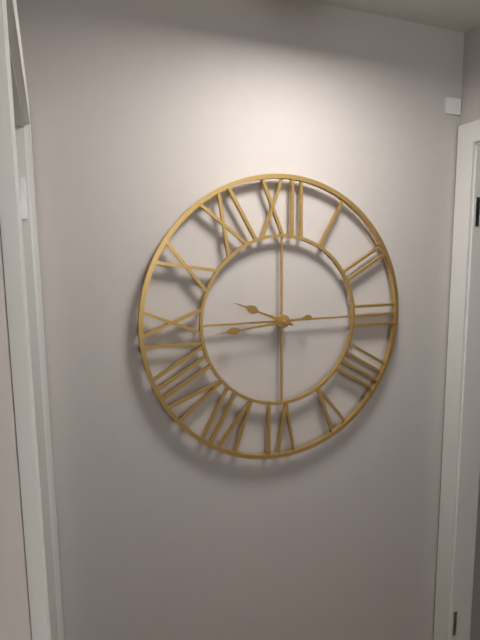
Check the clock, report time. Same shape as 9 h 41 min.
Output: 9 h 44 min
